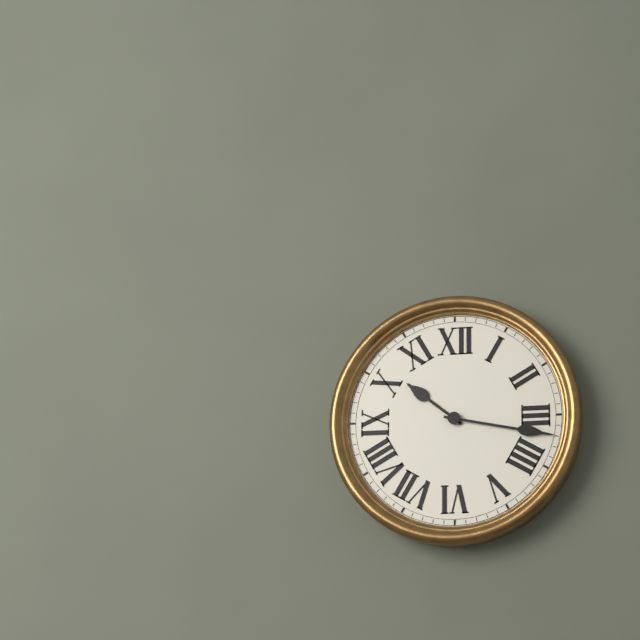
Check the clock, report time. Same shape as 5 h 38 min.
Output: 10 h 17 min
